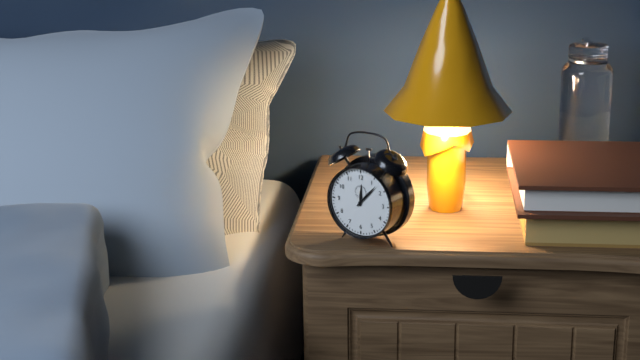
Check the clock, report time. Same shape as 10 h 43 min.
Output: 12 h 07 min
